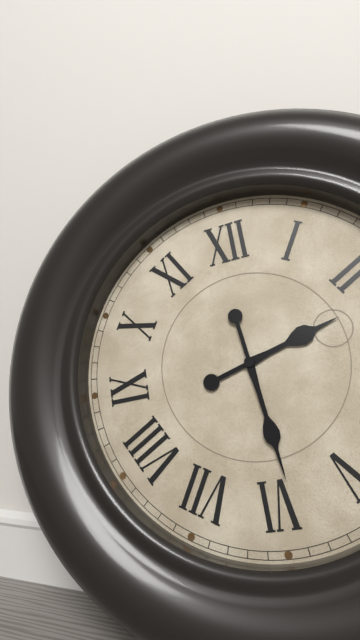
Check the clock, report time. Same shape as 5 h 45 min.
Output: 2 h 29 min
